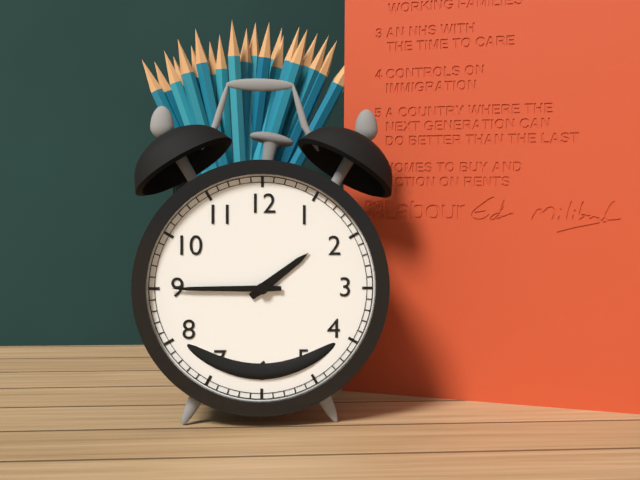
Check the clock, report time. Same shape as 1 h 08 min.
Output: 1 h 45 min
